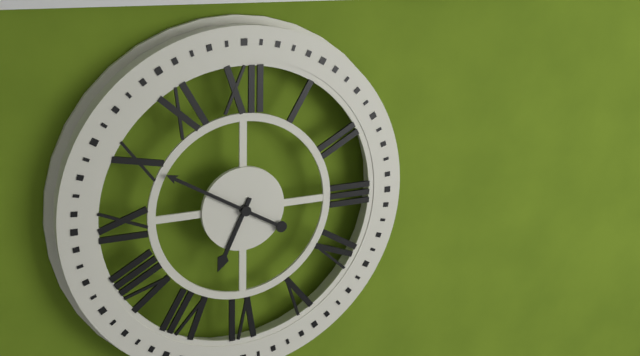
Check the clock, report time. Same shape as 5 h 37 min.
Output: 6 h 50 min
